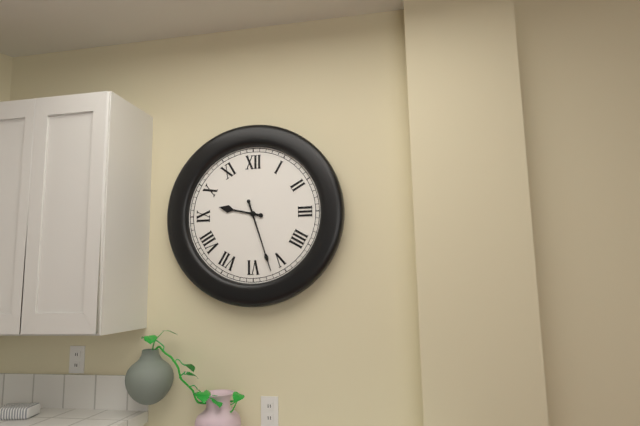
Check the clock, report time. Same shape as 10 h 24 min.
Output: 9 h 27 min
